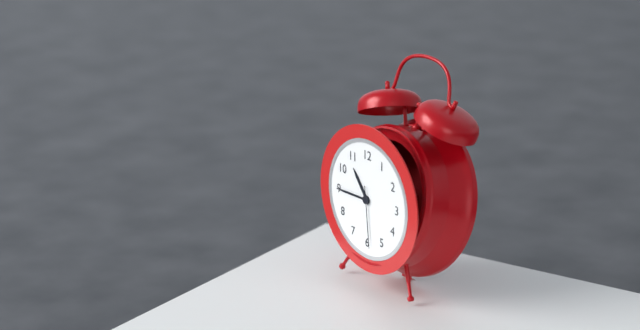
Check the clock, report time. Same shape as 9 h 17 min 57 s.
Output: 10 h 45 min 29 s
